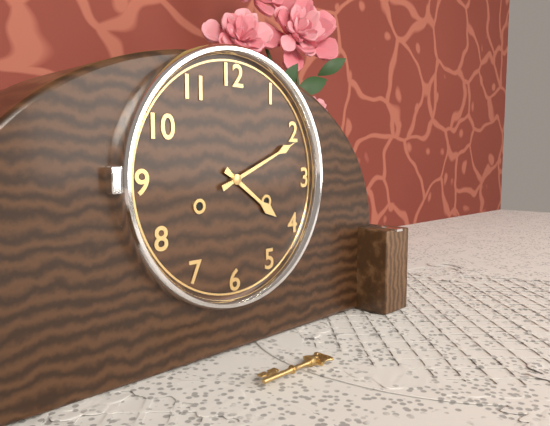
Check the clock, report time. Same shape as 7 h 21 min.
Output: 4 h 11 min
